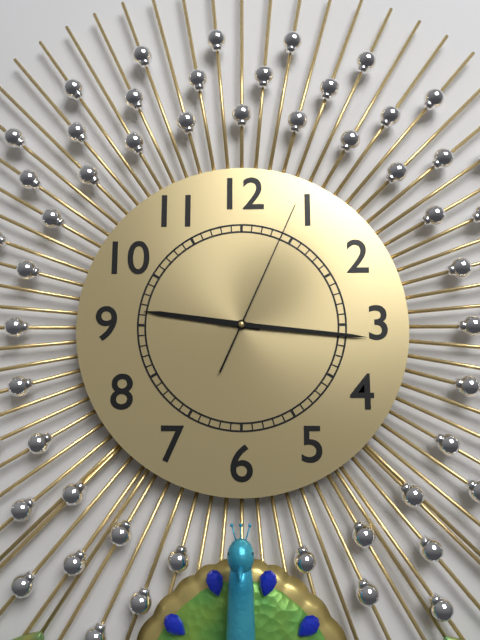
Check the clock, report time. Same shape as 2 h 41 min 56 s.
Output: 9 h 16 min 04 s
